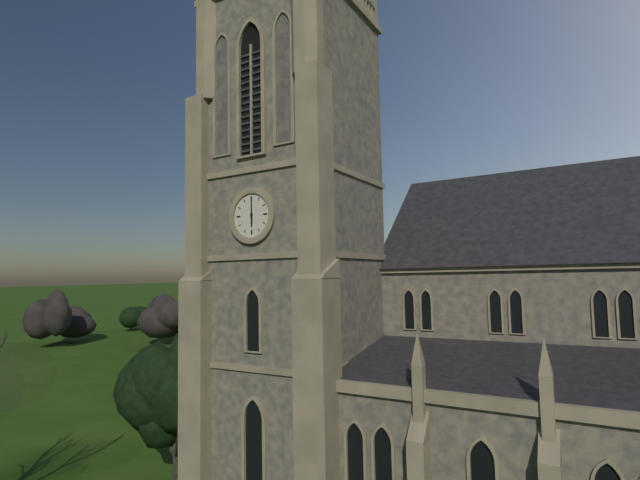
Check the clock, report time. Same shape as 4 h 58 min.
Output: 6 h 00 min
